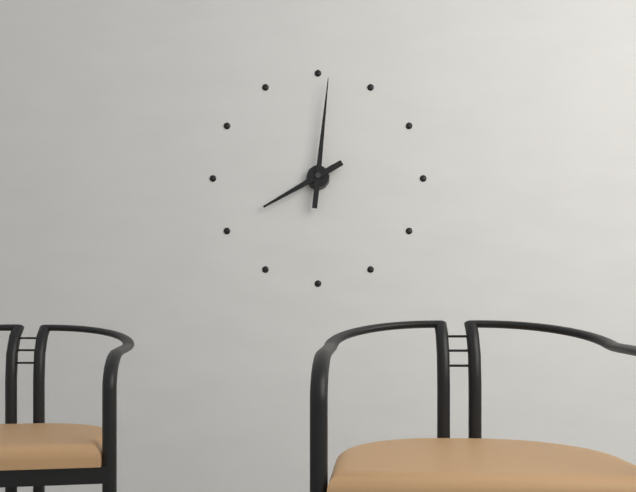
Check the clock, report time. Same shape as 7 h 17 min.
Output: 8 h 01 min
